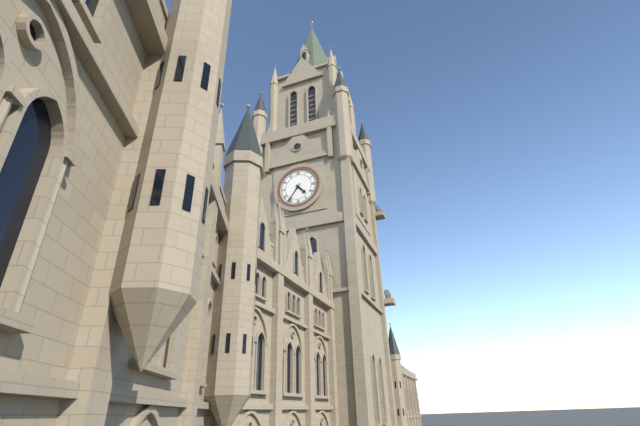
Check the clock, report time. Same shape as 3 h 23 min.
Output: 4 h 36 min
